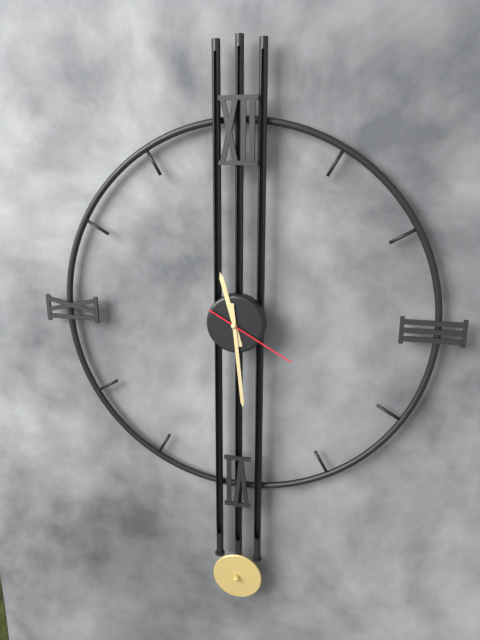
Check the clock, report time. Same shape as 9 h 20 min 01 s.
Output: 11 h 29 min 20 s
